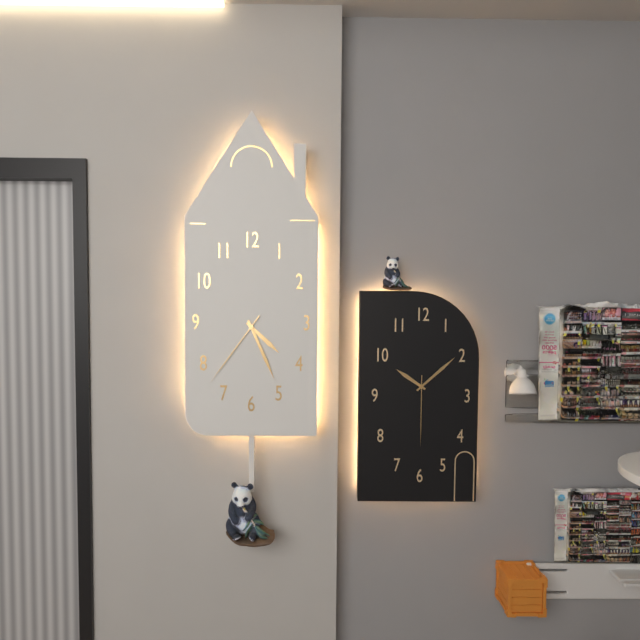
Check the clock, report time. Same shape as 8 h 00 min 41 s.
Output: 4 h 26 min 36 s
